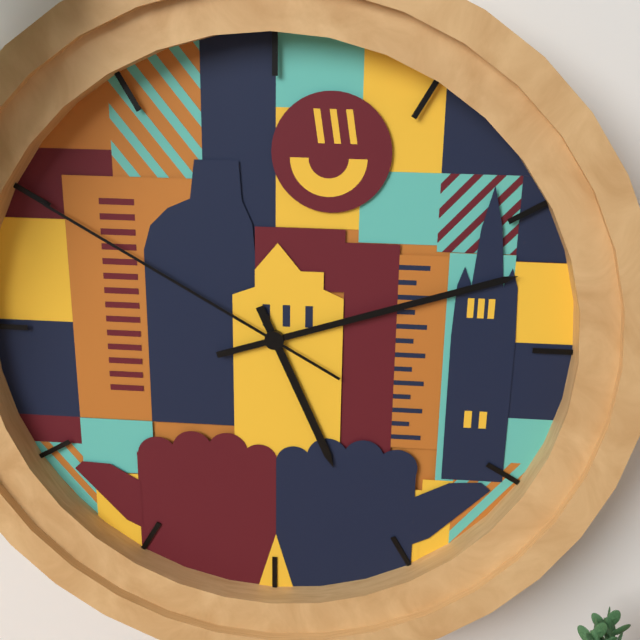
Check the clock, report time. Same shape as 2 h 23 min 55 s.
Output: 5 h 12 min 50 s
